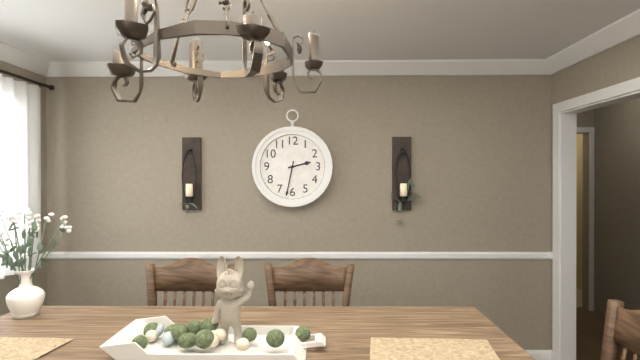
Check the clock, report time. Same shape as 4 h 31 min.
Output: 2 h 32 min
